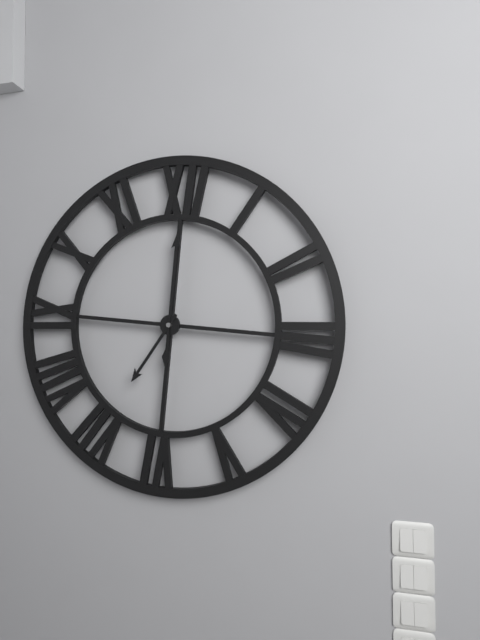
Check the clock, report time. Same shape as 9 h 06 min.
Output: 7 h 00 min
